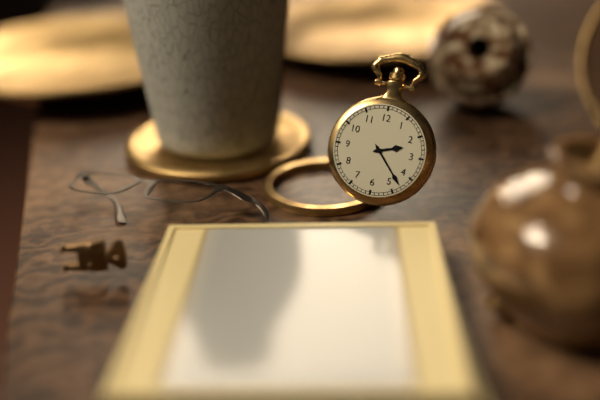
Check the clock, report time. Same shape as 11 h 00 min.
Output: 2 h 23 min
